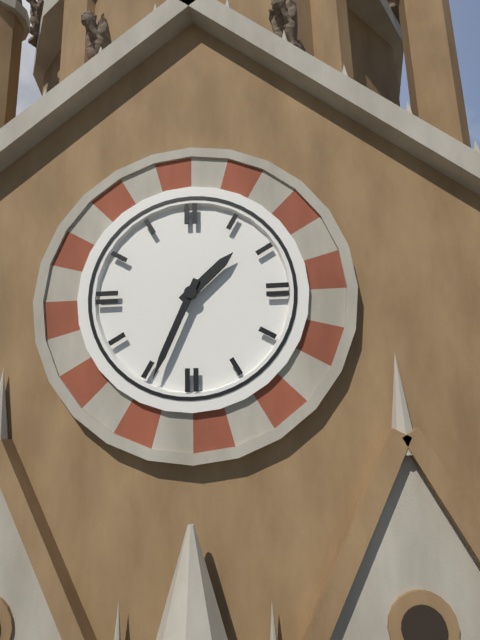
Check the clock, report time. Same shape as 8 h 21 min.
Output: 1 h 34 min
